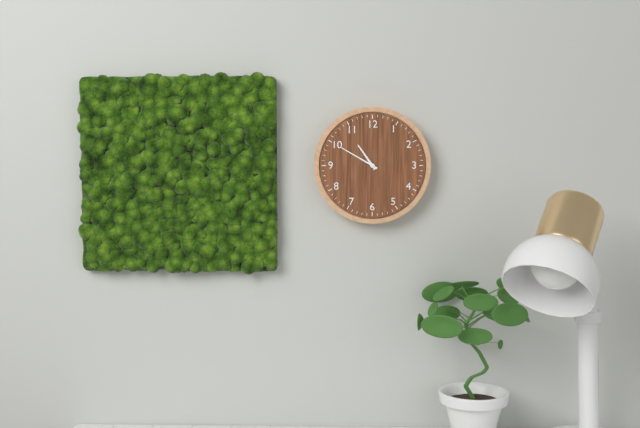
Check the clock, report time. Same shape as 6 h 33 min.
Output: 10 h 50 min
